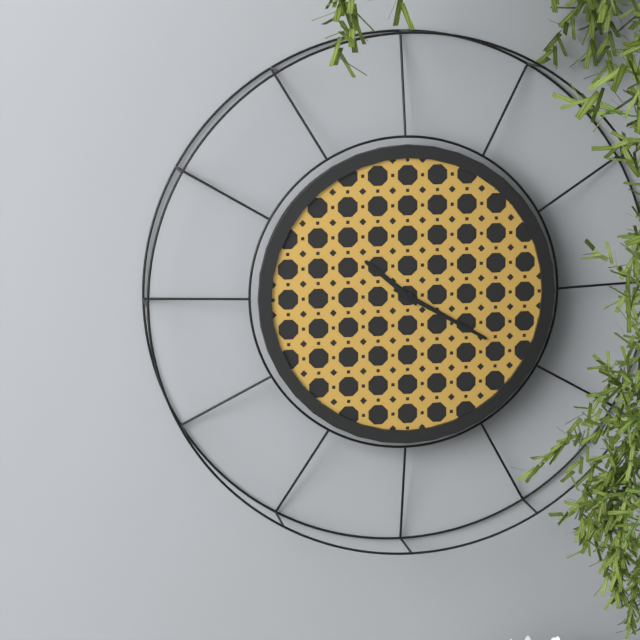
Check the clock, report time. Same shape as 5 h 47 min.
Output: 10 h 20 min
